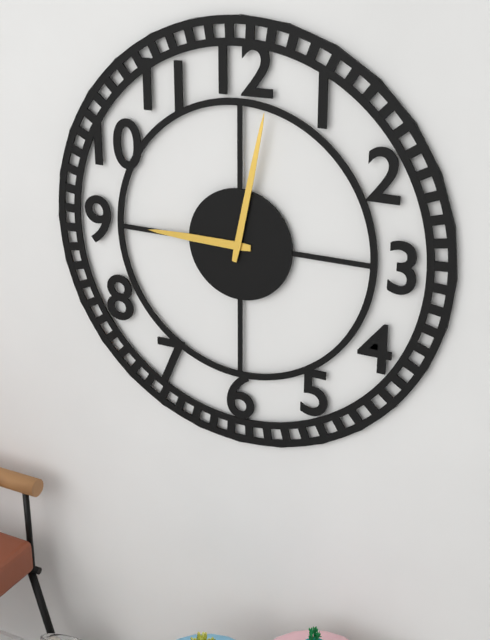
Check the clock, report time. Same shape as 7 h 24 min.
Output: 9 h 02 min
